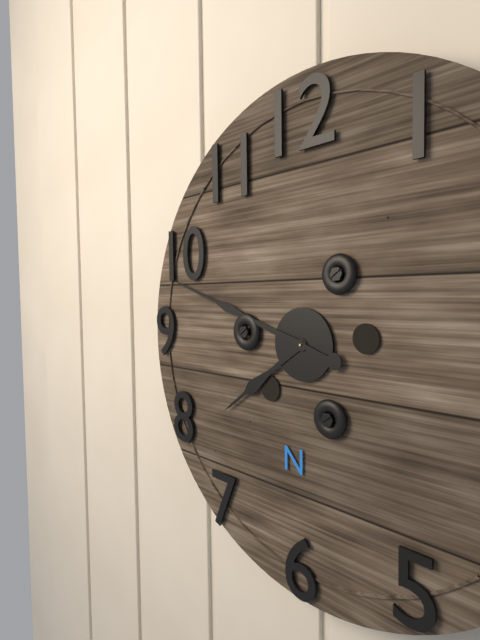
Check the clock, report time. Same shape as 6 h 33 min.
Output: 7 h 48 min
